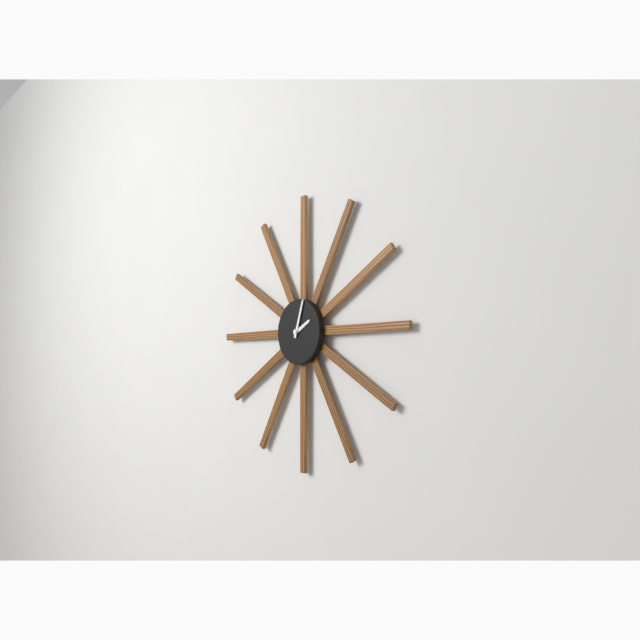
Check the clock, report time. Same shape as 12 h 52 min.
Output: 2 h 03 min
